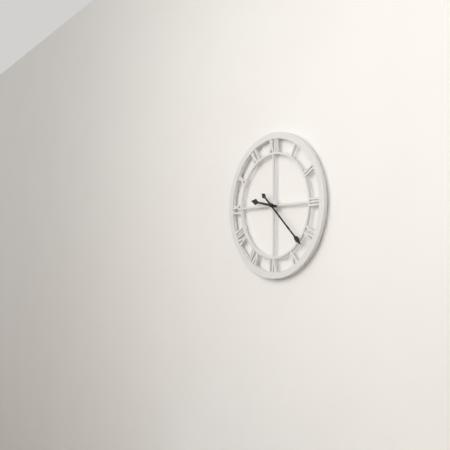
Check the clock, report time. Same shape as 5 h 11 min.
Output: 9 h 22 min
